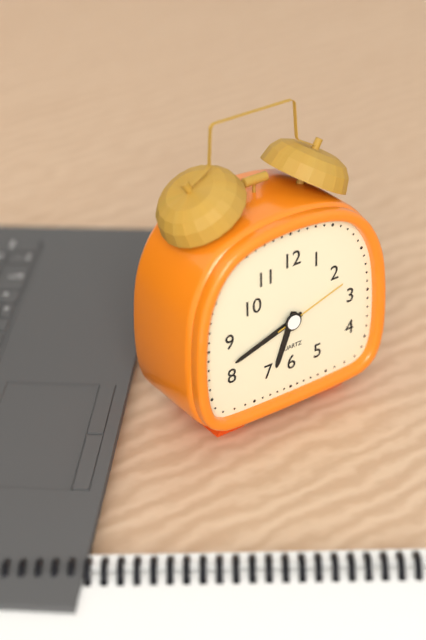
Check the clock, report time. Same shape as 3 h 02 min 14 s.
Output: 6 h 42 min 12 s
